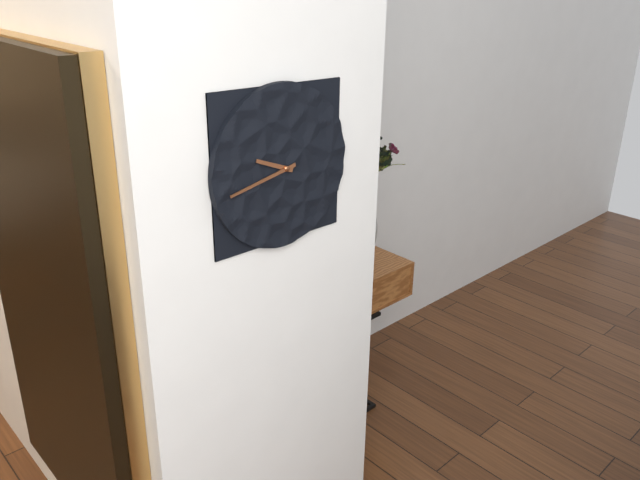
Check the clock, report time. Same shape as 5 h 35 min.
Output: 9 h 43 min
